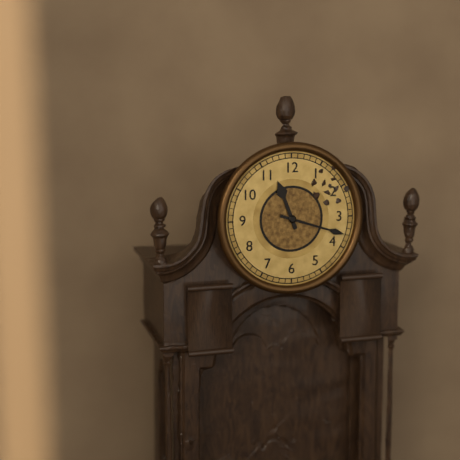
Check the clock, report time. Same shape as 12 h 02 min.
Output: 11 h 18 min
